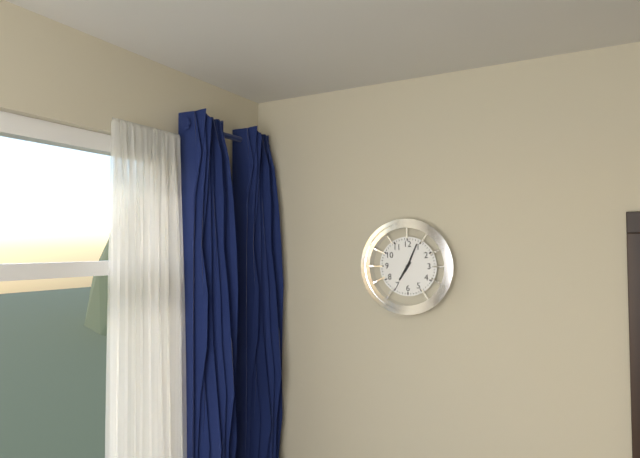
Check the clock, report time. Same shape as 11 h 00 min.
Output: 7 h 04 min
